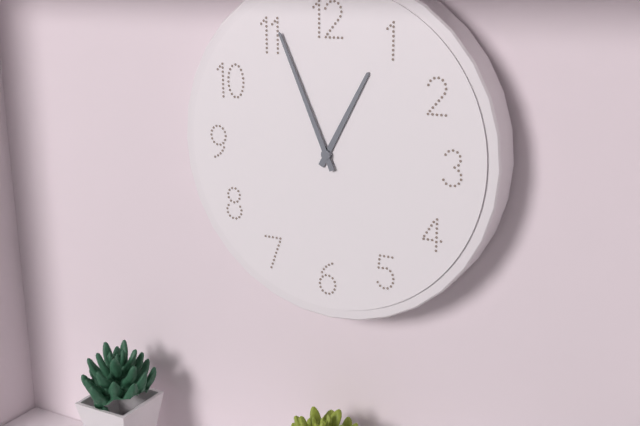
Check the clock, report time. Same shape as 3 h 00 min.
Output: 12 h 56 min
